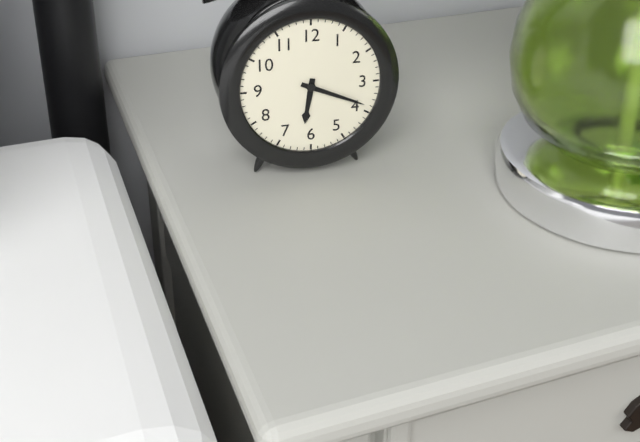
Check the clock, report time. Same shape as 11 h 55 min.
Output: 6 h 19 min
